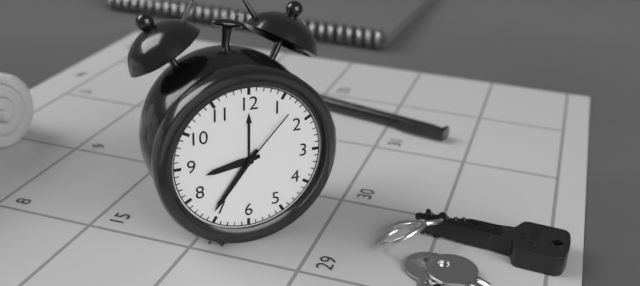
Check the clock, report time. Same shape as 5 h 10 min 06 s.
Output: 8 h 36 min 07 s
